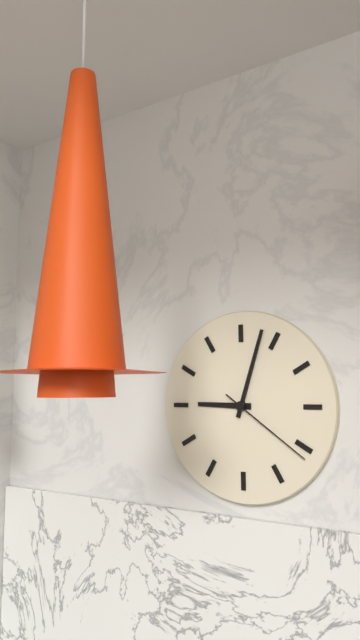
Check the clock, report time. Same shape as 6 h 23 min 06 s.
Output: 9 h 03 min 21 s
